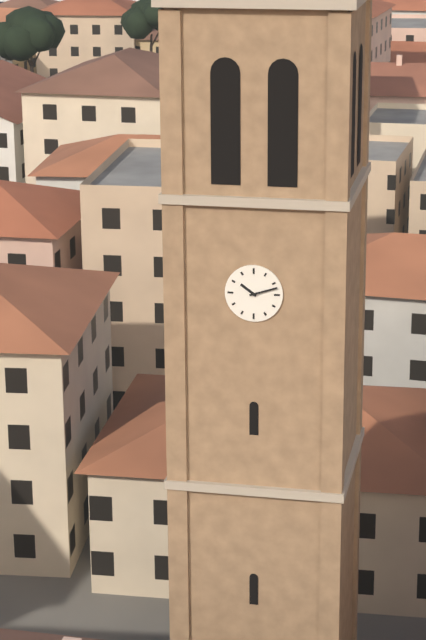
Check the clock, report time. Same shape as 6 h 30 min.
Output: 10 h 12 min
